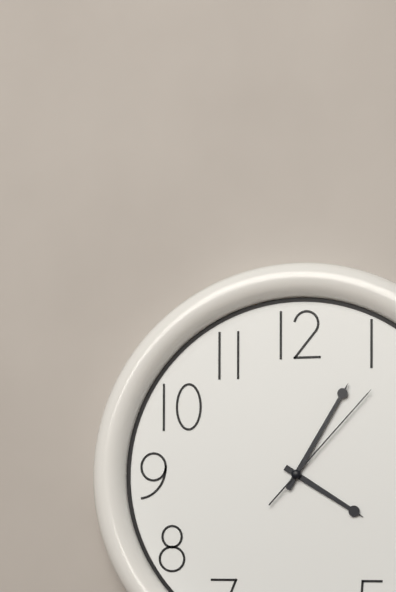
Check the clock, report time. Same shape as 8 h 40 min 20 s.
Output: 4 h 05 min 07 s
